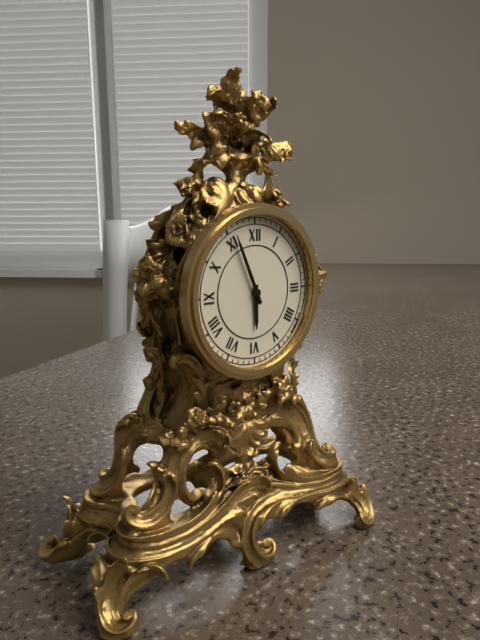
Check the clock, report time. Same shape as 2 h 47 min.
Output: 5 h 56 min
